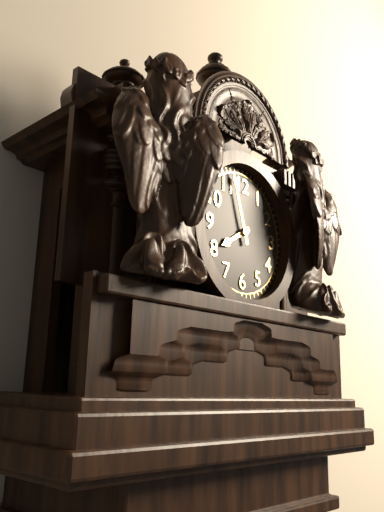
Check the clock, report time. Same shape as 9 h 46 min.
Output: 7 h 57 min
